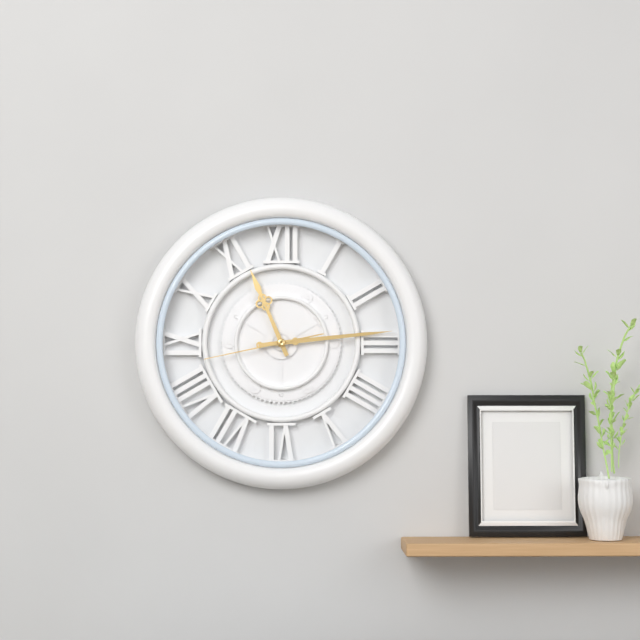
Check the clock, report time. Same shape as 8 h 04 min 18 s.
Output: 11 h 14 min 43 s
